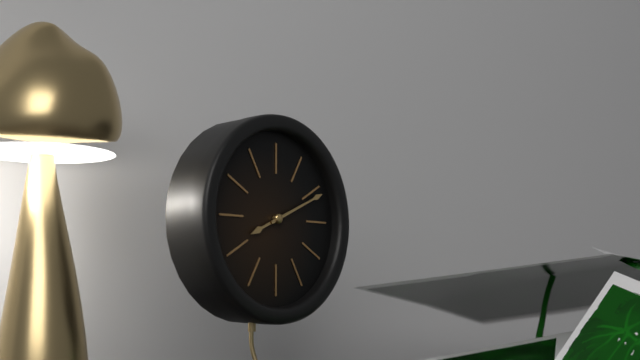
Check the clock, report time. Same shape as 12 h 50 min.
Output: 8 h 11 min
